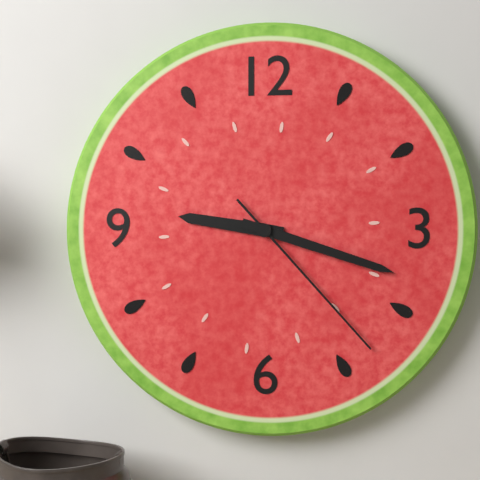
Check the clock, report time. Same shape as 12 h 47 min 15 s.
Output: 9 h 18 min 23 s
